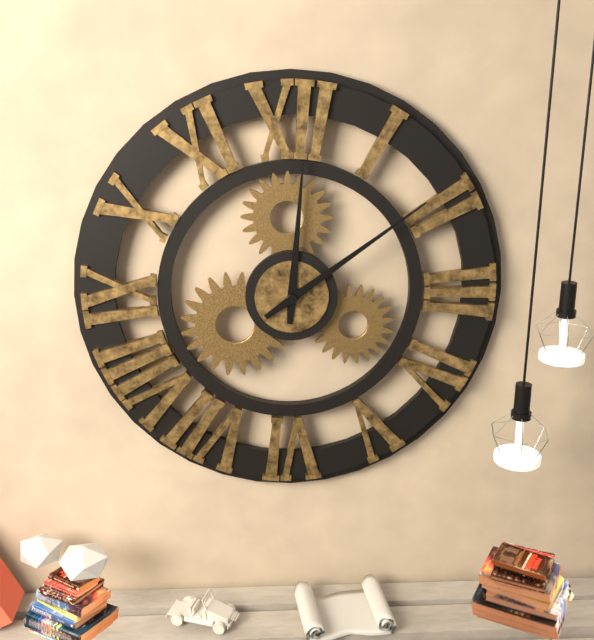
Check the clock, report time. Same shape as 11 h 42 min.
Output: 12 h 09 min
